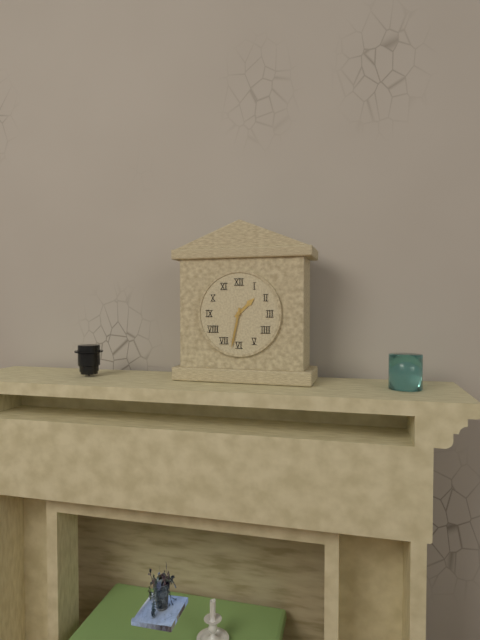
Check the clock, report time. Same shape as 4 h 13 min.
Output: 1 h 32 min
